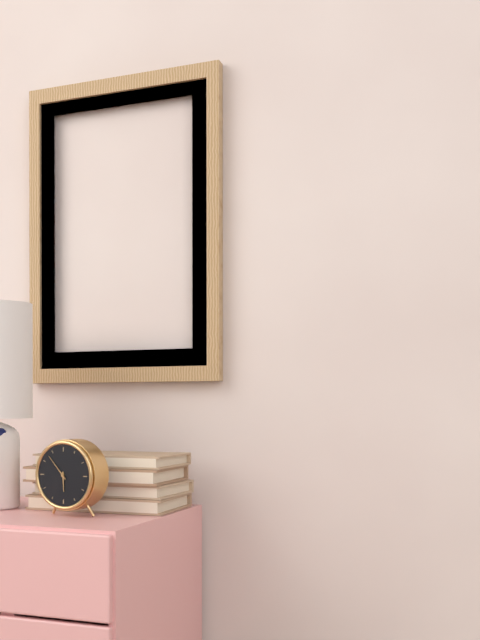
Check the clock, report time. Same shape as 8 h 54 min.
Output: 5 h 53 min
